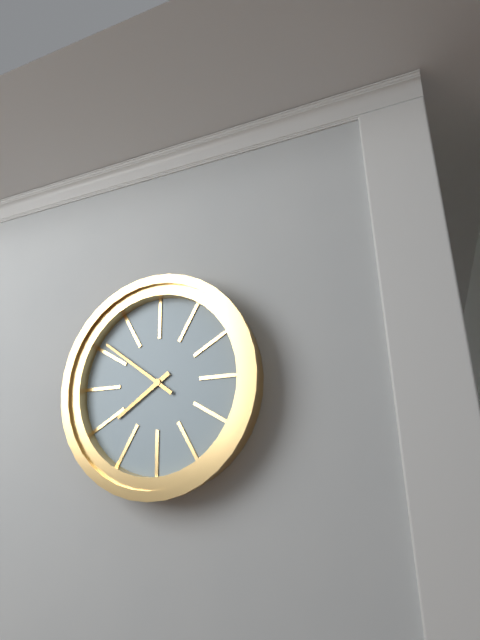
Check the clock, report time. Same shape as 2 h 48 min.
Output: 7 h 51 min
